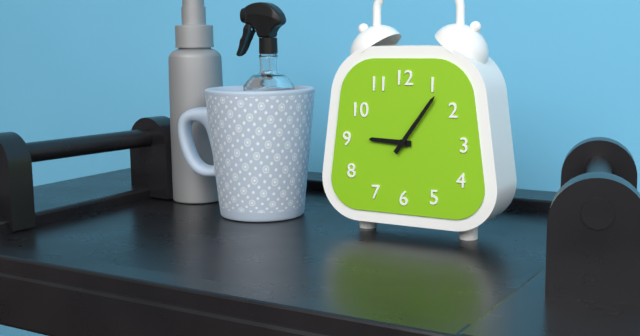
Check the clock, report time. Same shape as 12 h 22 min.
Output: 9 h 06 min
